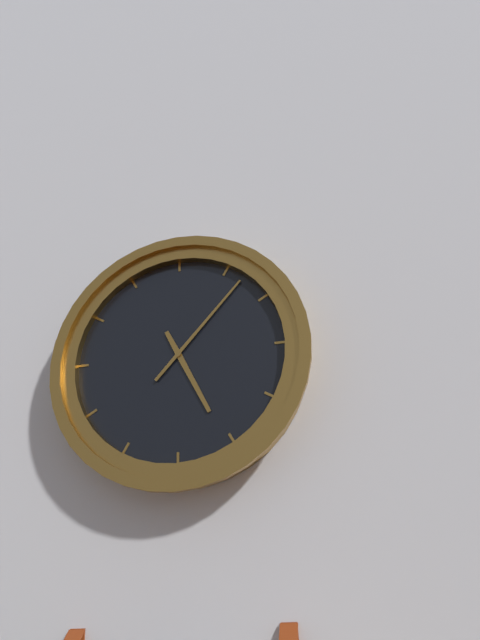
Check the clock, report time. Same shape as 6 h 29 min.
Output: 5 h 07 min
